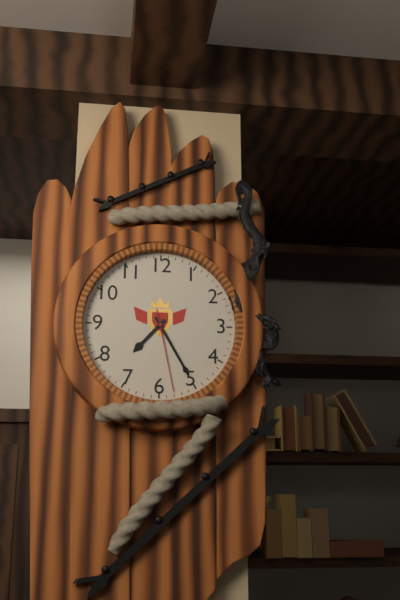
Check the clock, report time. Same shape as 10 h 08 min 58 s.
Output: 7 h 25 min 28 s
